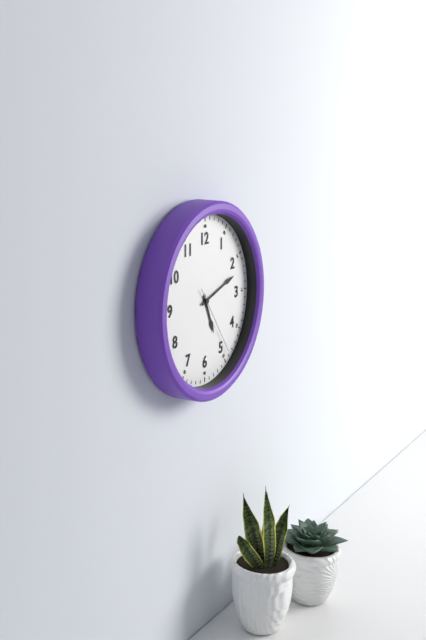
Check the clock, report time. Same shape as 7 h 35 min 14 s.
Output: 5 h 12 min 24 s
